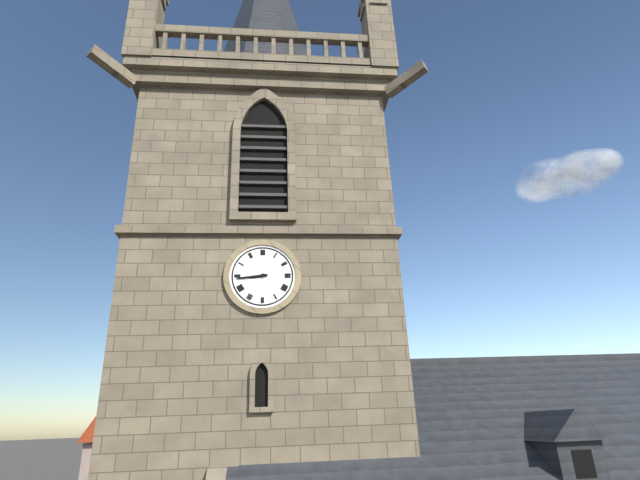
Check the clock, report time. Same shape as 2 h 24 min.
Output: 8 h 44 min
